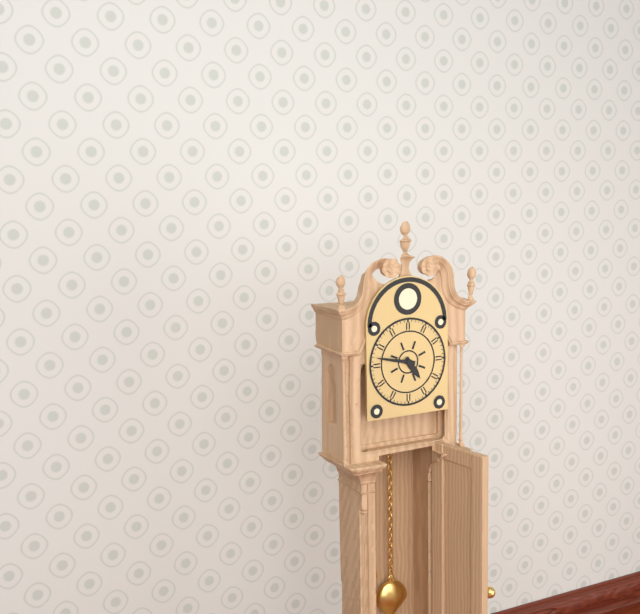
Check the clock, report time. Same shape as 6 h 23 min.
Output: 4 h 47 min
